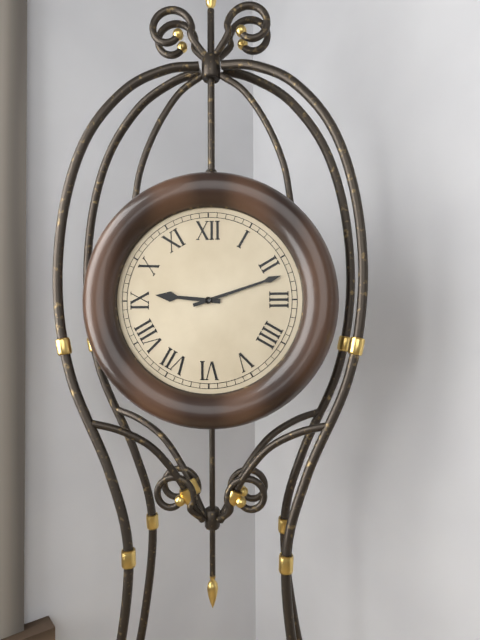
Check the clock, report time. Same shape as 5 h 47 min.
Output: 9 h 12 min
